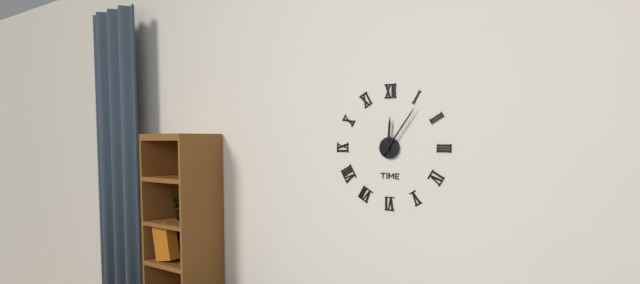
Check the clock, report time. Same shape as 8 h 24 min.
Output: 12 h 06 min
